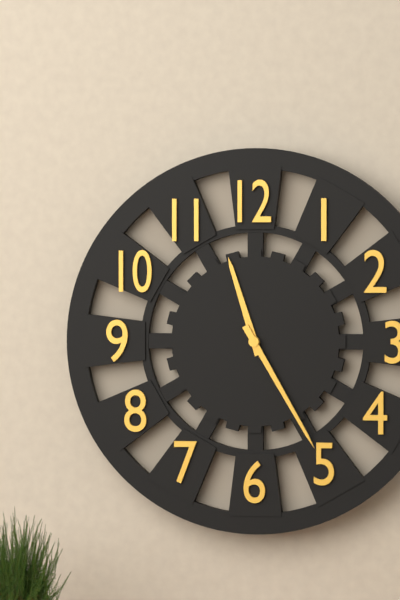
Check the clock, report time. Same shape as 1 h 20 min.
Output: 11 h 25 min
